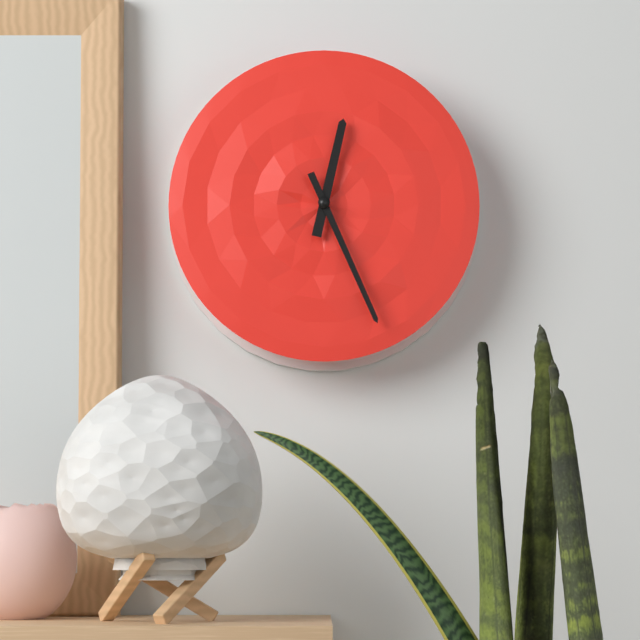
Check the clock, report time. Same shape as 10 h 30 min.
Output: 12 h 26 min
